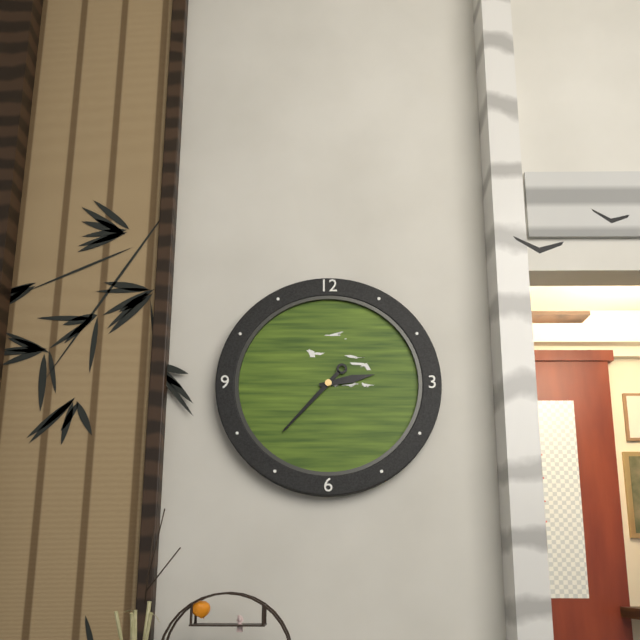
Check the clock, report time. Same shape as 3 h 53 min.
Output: 2 h 37 min
